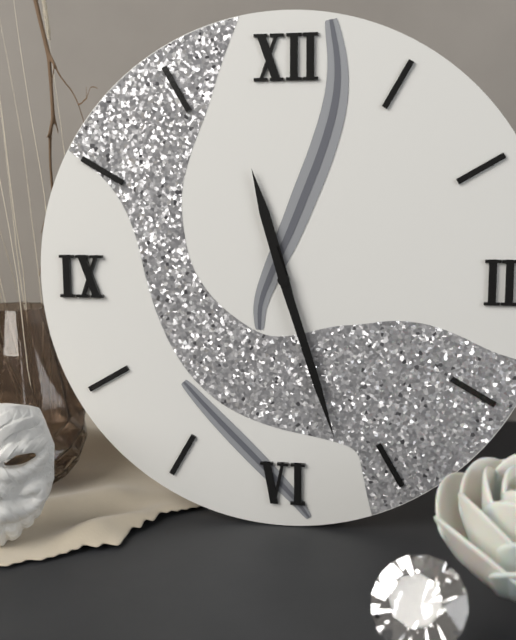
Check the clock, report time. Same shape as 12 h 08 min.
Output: 11 h 27 min
